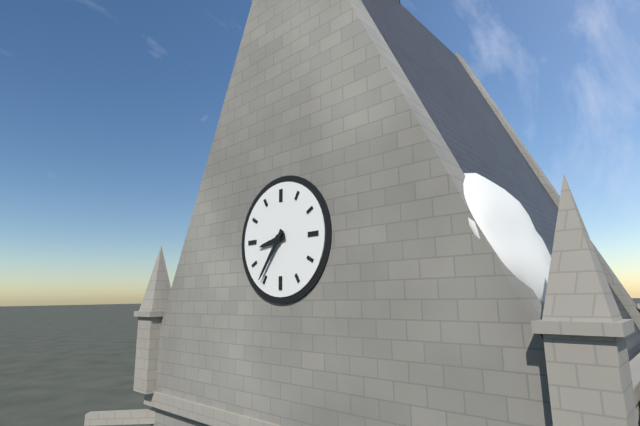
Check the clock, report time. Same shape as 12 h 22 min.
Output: 8 h 36 min
